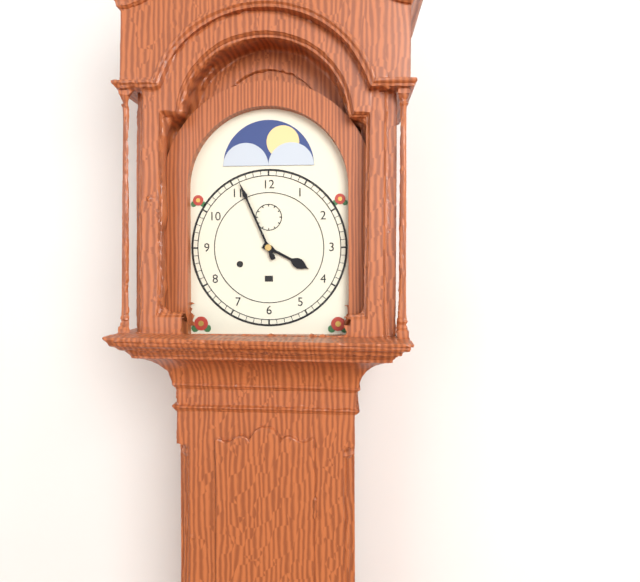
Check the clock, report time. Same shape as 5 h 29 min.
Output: 3 h 56 min
